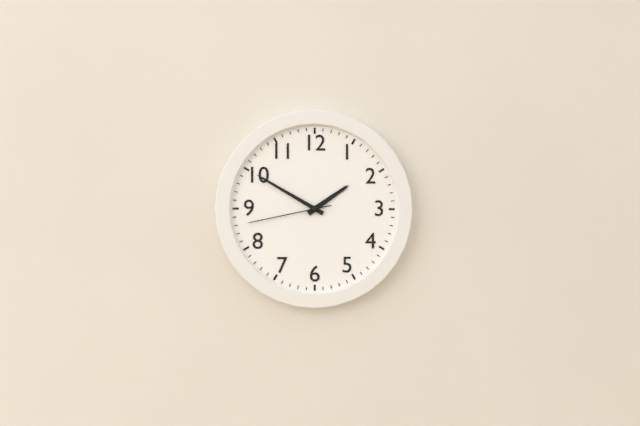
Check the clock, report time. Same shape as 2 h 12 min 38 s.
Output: 1 h 50 min 43 s
